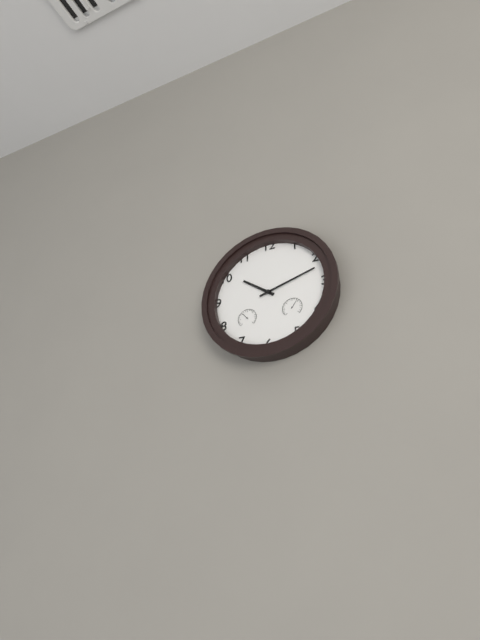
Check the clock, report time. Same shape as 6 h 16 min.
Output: 10 h 12 min
